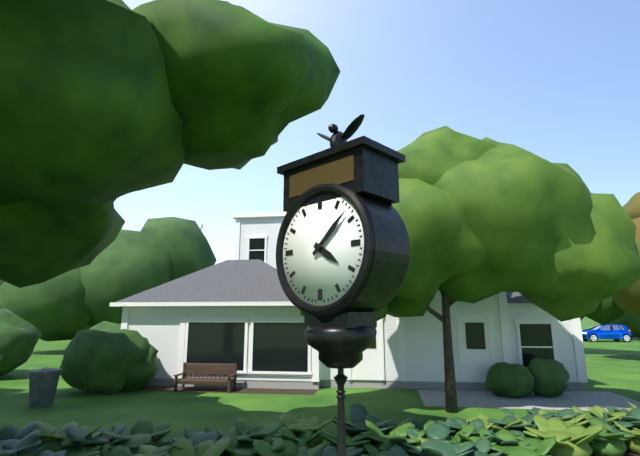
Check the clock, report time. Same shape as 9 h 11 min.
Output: 4 h 08 min
